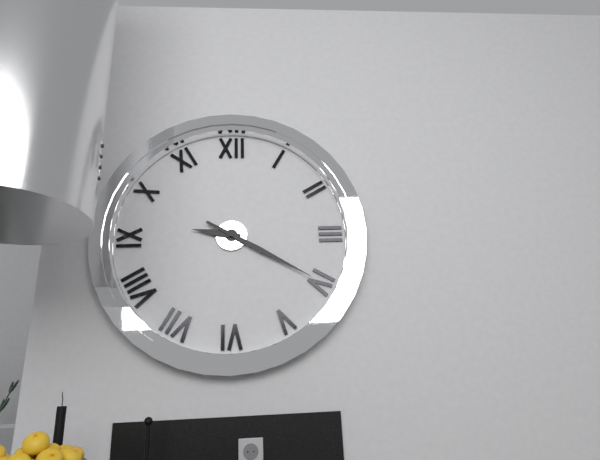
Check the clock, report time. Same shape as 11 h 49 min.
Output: 9 h 20 min
